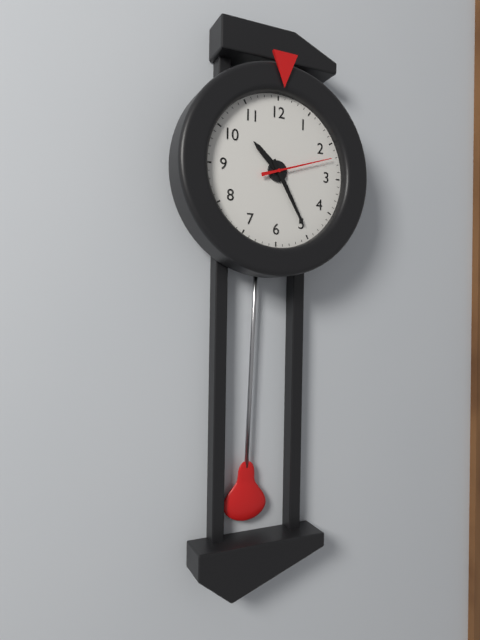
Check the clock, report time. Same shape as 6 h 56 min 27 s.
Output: 10 h 25 min 12 s
